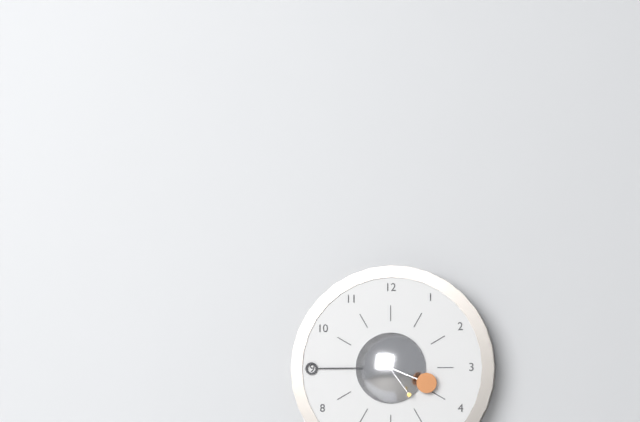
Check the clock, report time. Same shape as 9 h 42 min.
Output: 3 h 45 min
